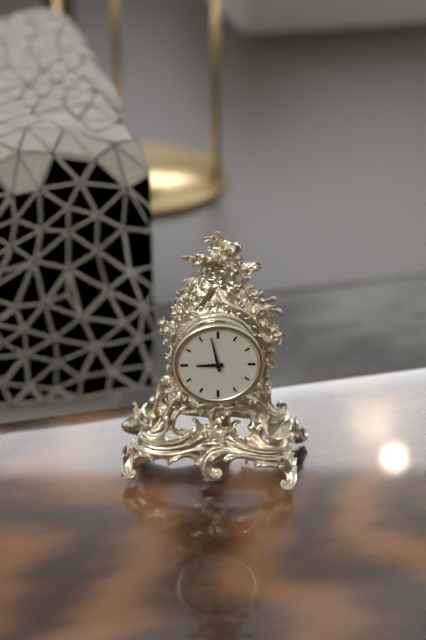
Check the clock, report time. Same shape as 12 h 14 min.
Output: 8 h 58 min
